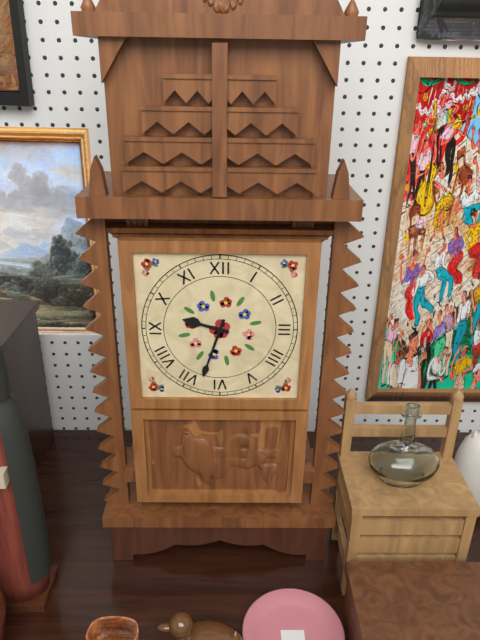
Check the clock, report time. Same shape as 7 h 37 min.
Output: 9 h 33 min
